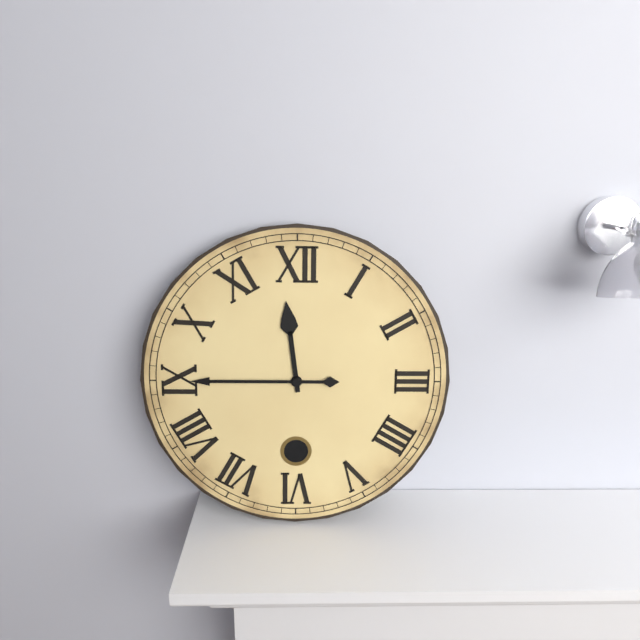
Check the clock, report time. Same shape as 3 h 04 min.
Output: 11 h 45 min
